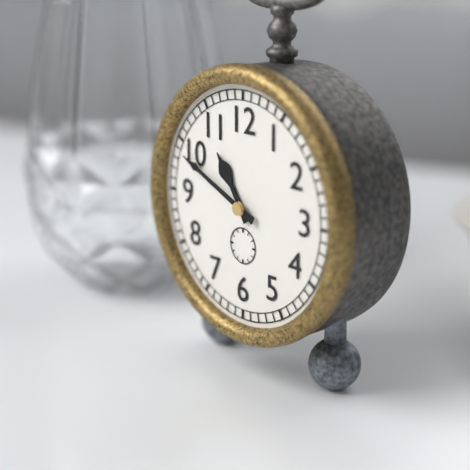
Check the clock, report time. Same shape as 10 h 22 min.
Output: 10 h 49 min
